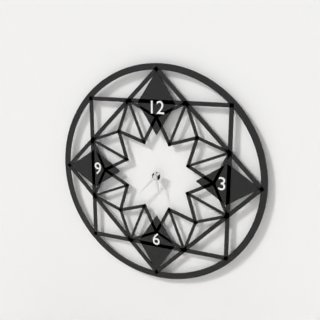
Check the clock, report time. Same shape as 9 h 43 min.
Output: 5 h 37 min
